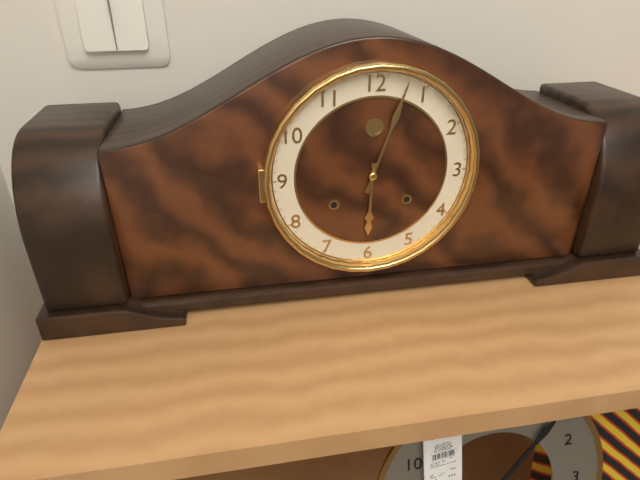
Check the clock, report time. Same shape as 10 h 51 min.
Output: 6 h 03 min
